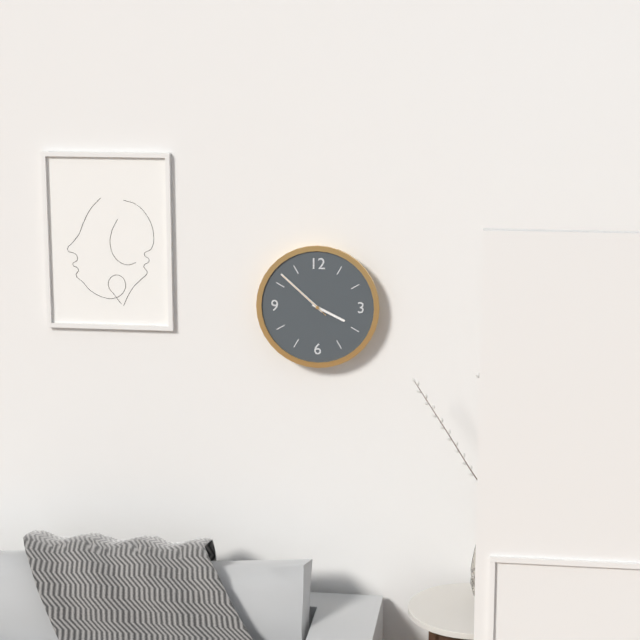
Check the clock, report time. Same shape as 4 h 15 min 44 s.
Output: 3 h 52 min 52 s
